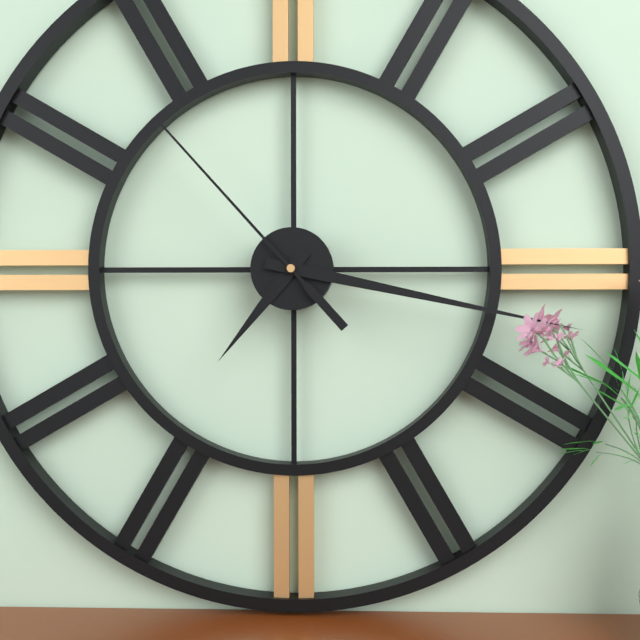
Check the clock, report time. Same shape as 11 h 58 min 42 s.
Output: 7 h 17 min 53 s
